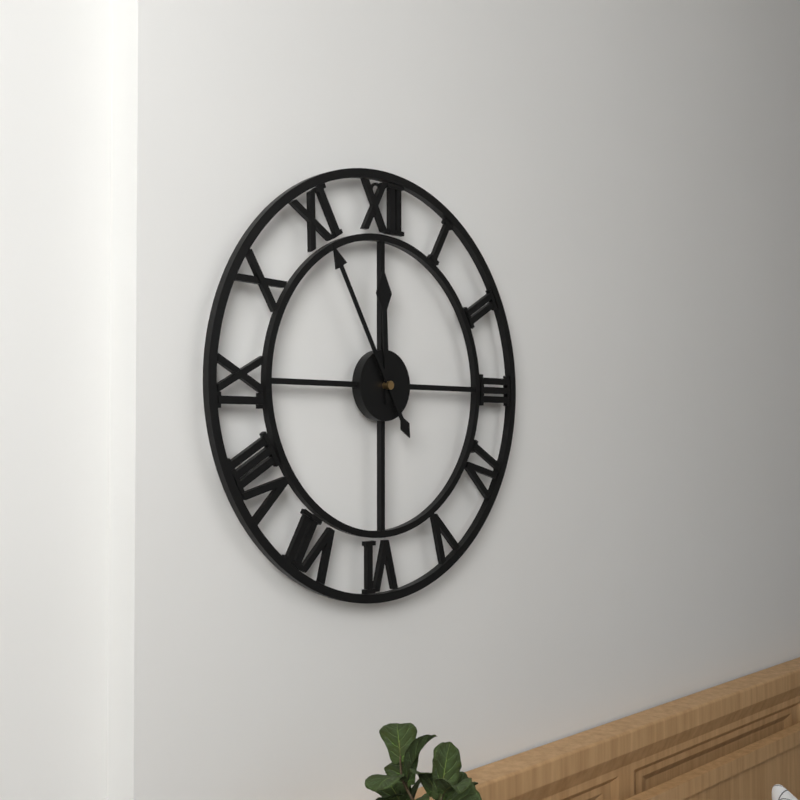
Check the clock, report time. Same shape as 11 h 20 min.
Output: 11 h 55 min
